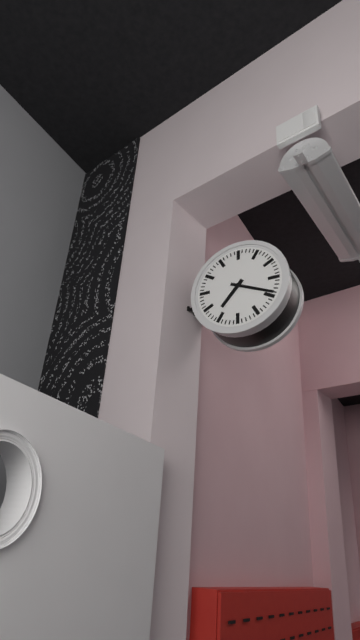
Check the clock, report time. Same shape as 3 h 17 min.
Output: 7 h 19 min
